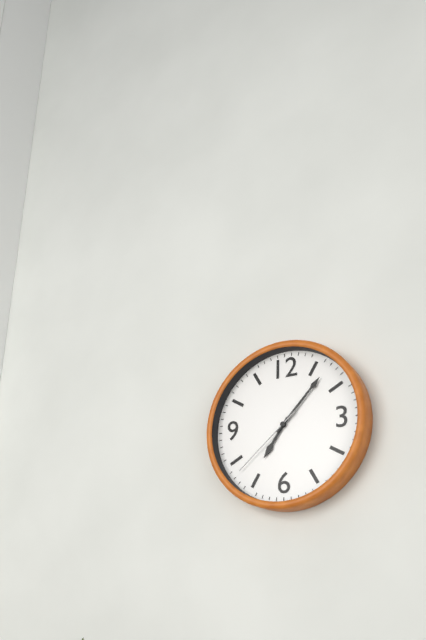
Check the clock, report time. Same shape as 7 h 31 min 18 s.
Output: 7 h 07 min 38 s
